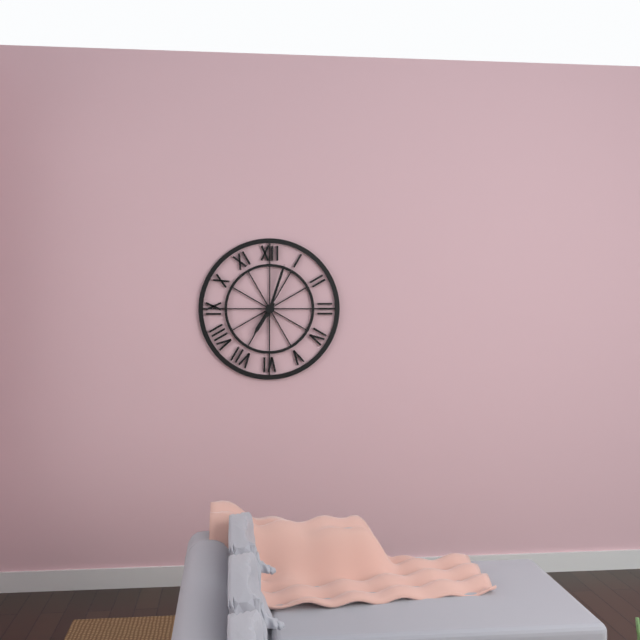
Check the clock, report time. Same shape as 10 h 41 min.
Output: 7 h 03 min
